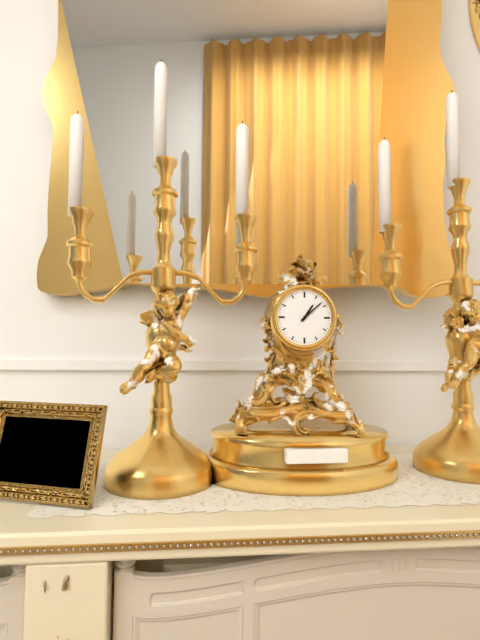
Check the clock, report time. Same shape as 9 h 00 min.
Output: 1 h 08 min
